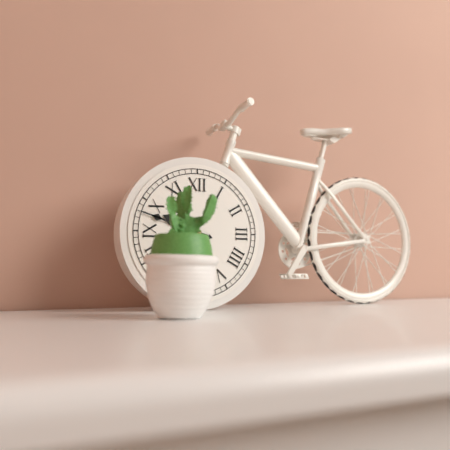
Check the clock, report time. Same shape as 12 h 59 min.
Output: 9 h 48 min
